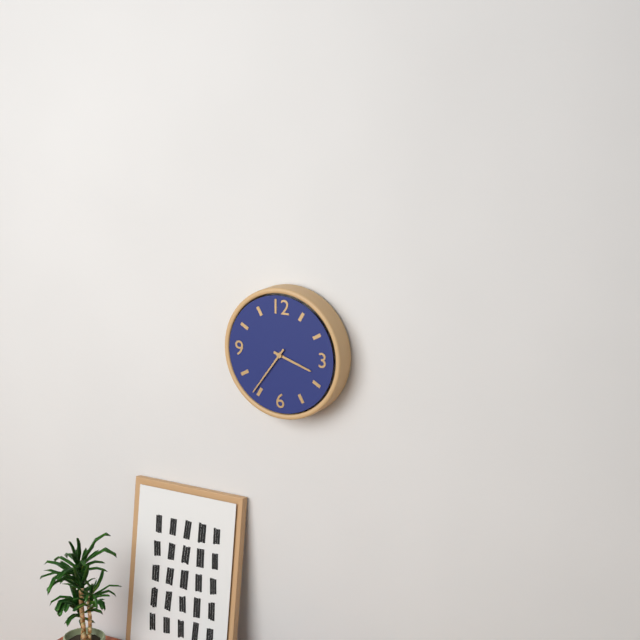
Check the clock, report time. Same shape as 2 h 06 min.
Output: 3 h 36 min
